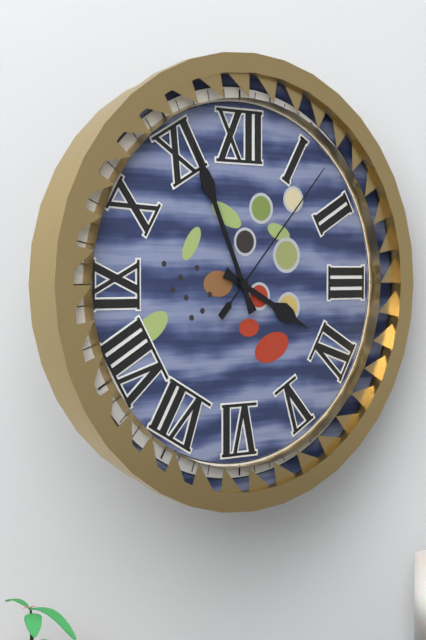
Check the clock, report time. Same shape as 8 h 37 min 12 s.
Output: 3 h 56 min 07 s
